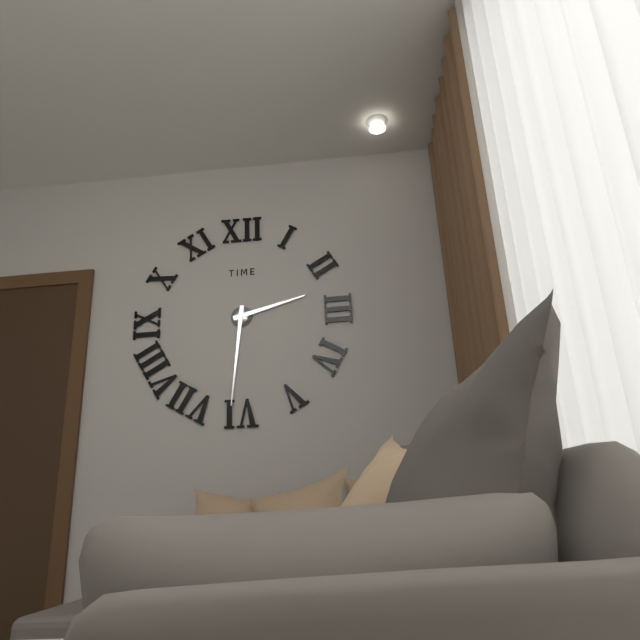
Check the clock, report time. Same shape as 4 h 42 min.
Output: 2 h 31 min
